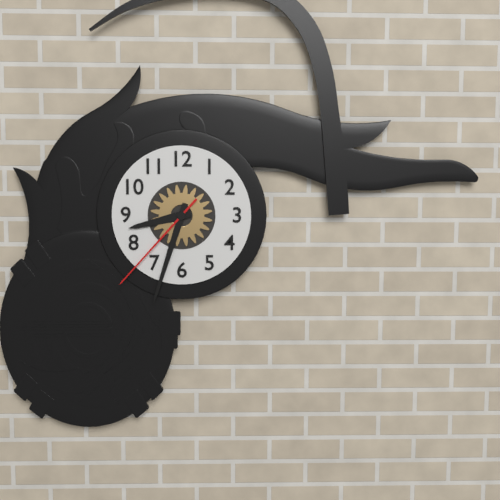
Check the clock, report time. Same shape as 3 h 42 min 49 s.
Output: 8 h 33 min 37 s
